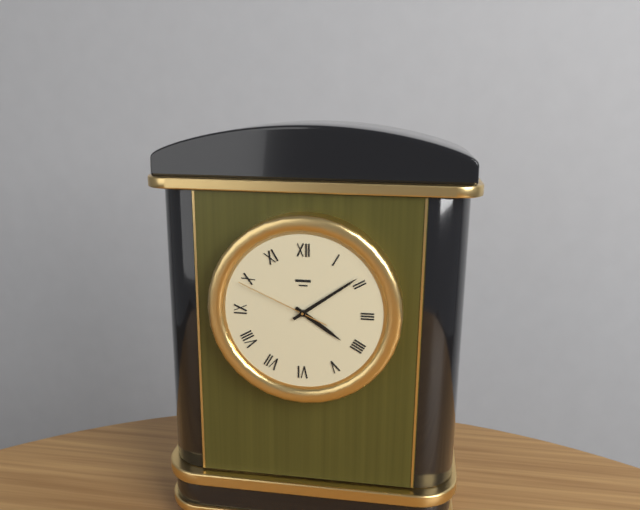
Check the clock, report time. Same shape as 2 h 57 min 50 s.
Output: 4 h 09 min 49 s
